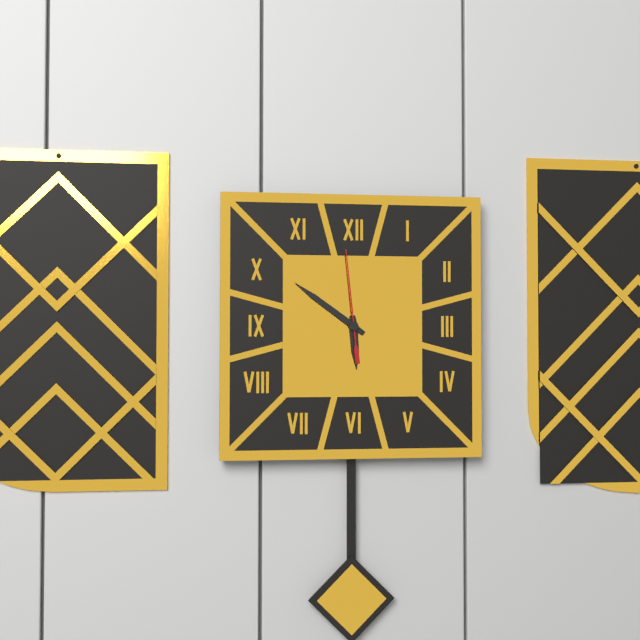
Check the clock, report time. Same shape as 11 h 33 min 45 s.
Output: 5 h 51 min 59 s
